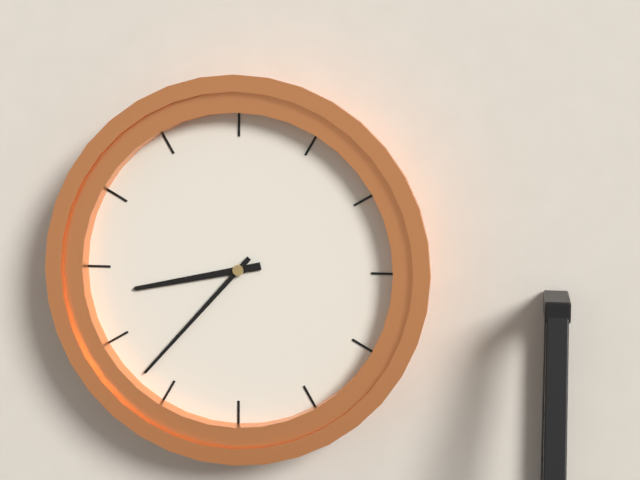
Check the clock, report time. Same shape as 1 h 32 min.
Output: 8 h 37 min
